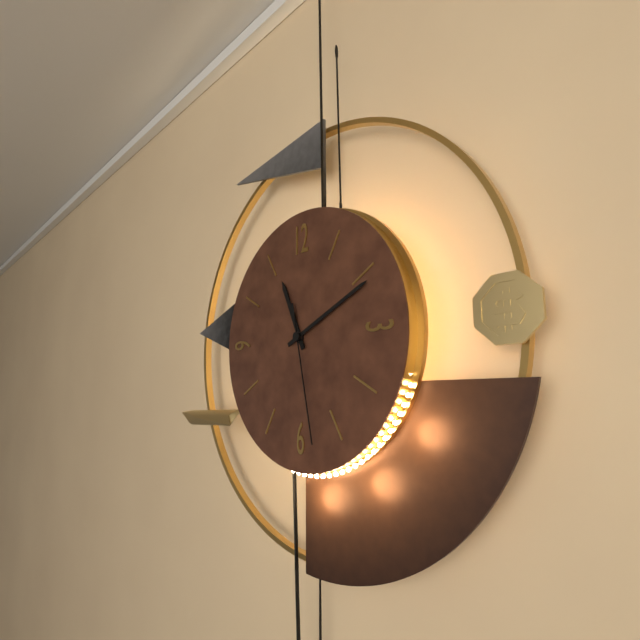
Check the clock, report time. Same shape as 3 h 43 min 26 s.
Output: 11 h 11 min 28 s
